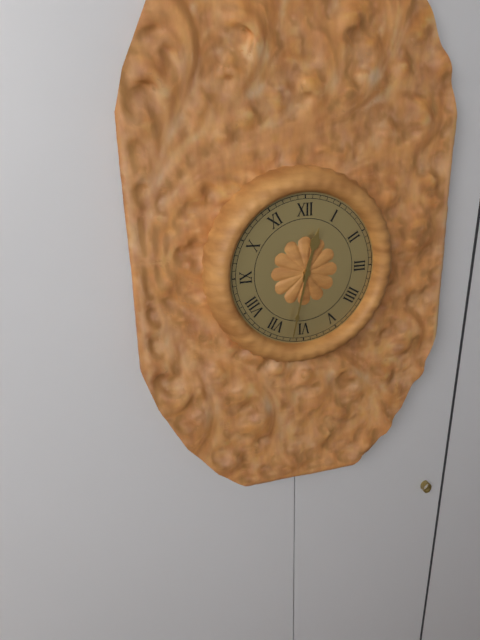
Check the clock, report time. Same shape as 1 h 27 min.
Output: 12 h 32 min
